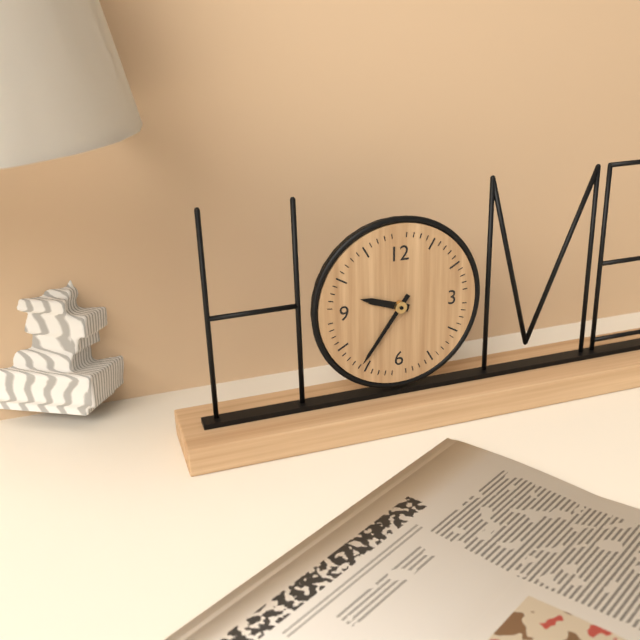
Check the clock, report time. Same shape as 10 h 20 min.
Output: 9 h 36 min
